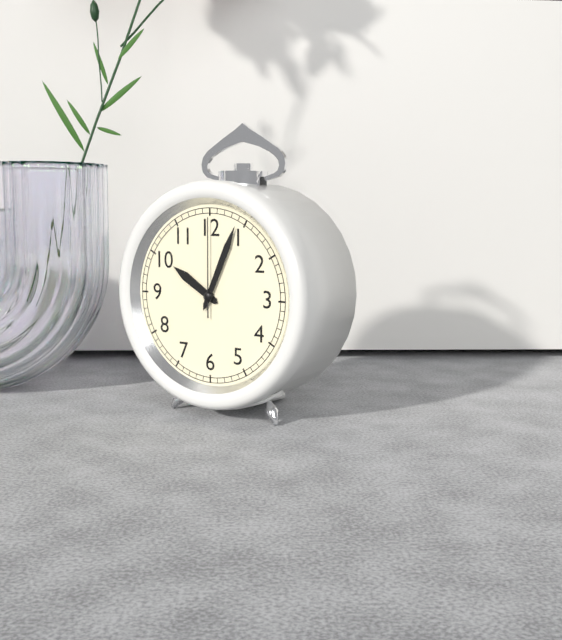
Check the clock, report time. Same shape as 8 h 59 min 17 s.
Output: 10 h 04 min 00 s
